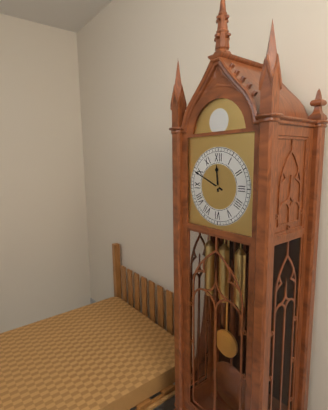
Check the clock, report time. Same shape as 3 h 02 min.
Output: 11 h 49 min
